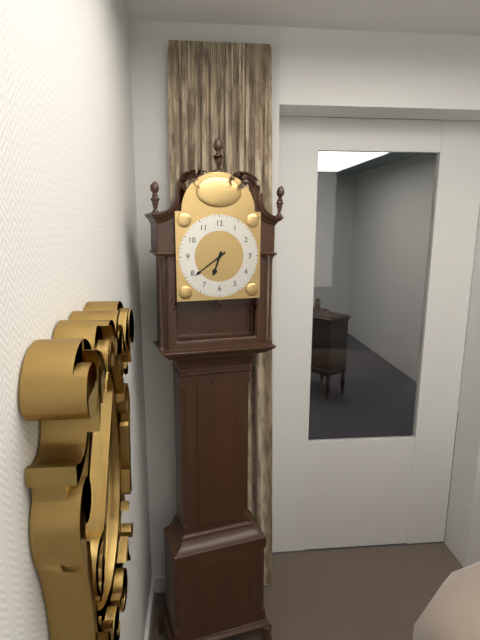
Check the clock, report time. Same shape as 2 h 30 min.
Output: 6 h 39 min
